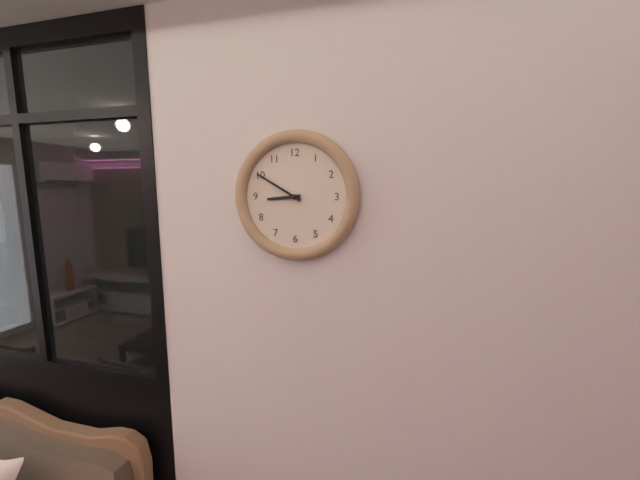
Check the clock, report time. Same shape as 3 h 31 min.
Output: 8 h 50 min
